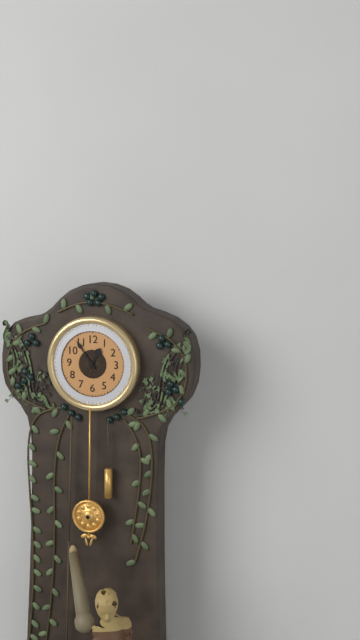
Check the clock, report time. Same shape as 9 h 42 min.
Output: 12 h 54 min
